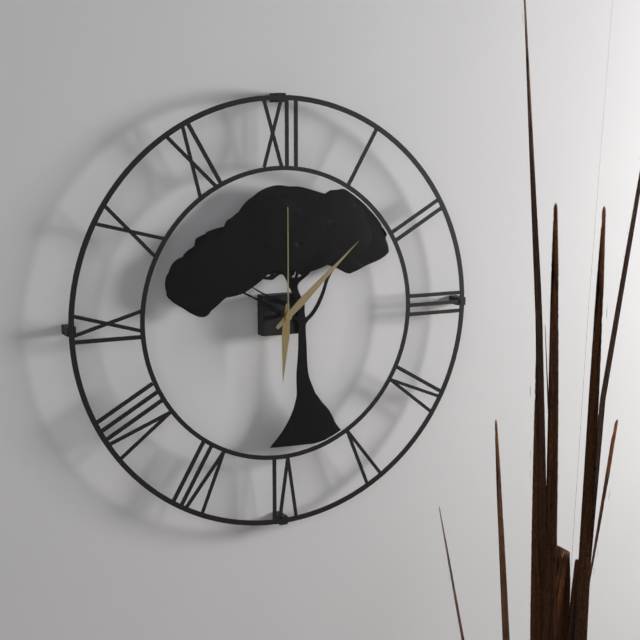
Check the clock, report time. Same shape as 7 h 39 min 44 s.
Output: 6 h 08 min 00 s
